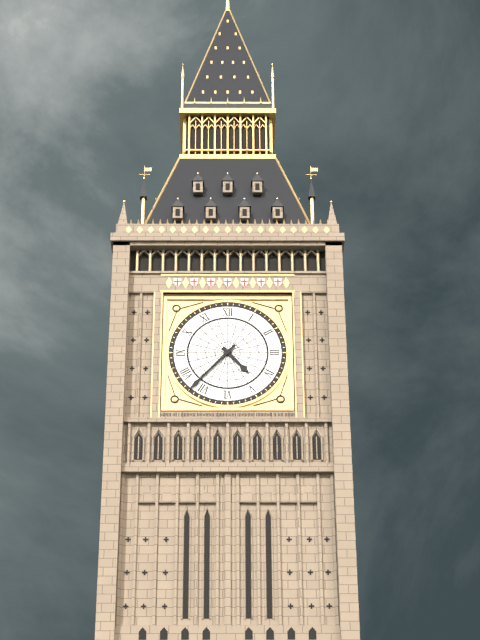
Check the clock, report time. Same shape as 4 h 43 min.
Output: 4 h 37 min
